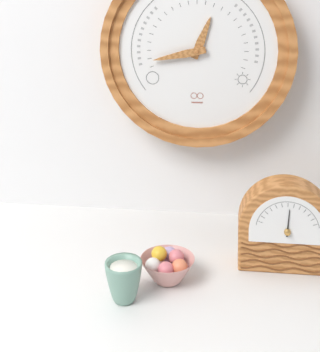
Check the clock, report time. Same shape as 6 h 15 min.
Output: 12 h 43 min
